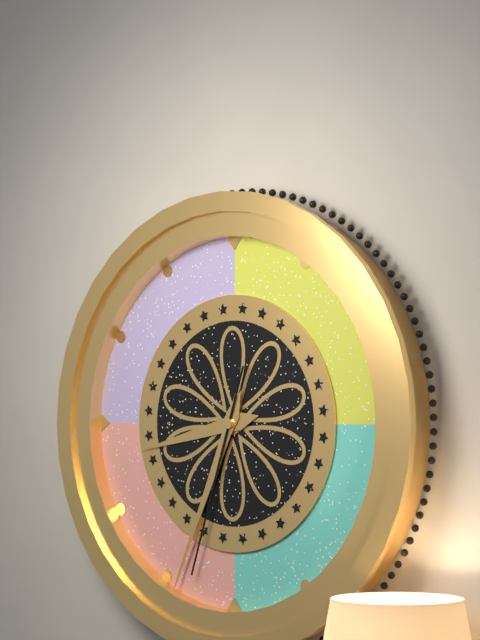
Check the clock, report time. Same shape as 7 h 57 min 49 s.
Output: 8 h 34 min 33 s
